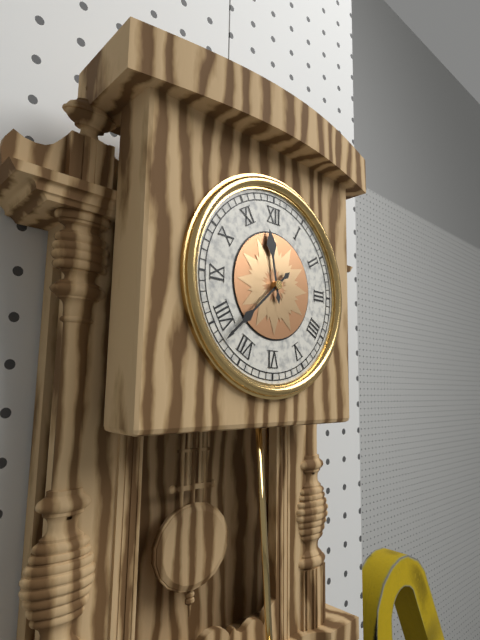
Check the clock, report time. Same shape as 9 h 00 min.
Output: 11 h 38 min
